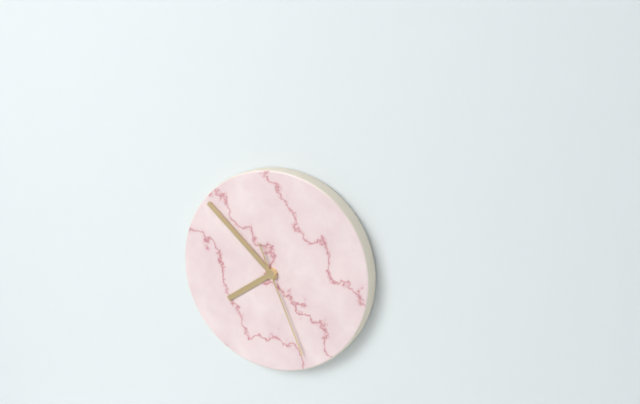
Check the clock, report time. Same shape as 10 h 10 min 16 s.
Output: 7 h 52 min 26 s
